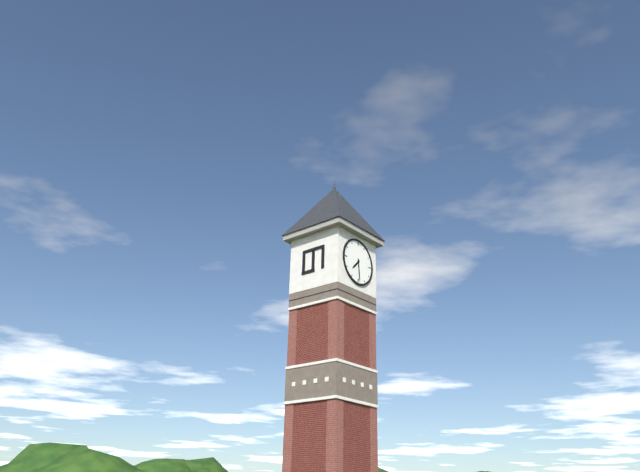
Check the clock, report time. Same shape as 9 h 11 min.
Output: 7 h 29 min
